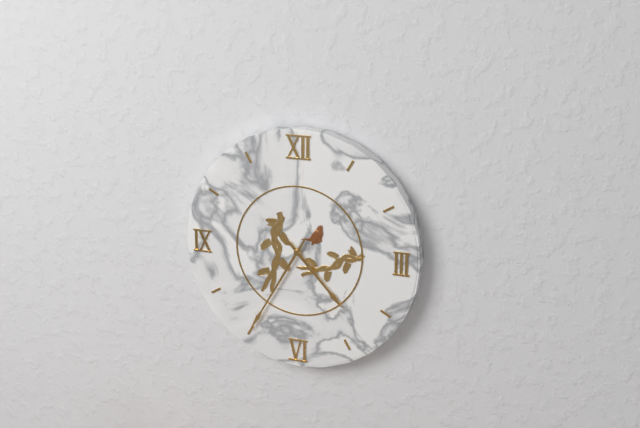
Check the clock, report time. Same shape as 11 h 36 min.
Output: 4 h 35 min
